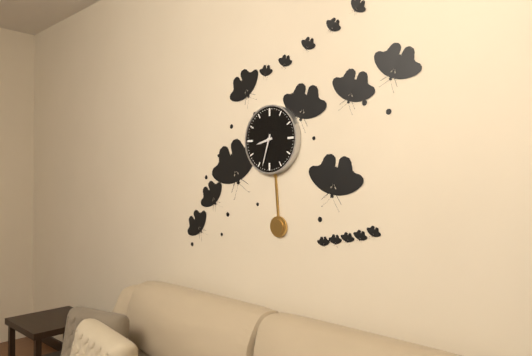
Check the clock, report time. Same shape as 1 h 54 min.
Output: 8 h 33 min
